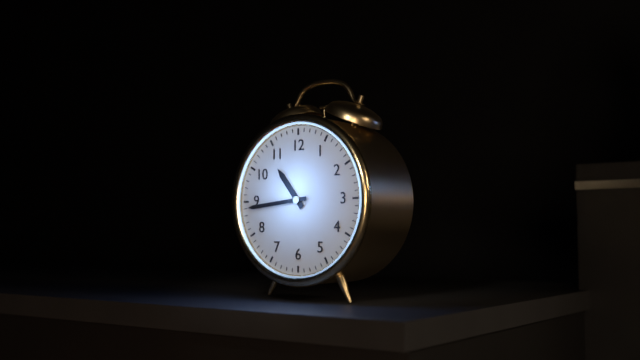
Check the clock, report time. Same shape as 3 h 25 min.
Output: 10 h 44 min
